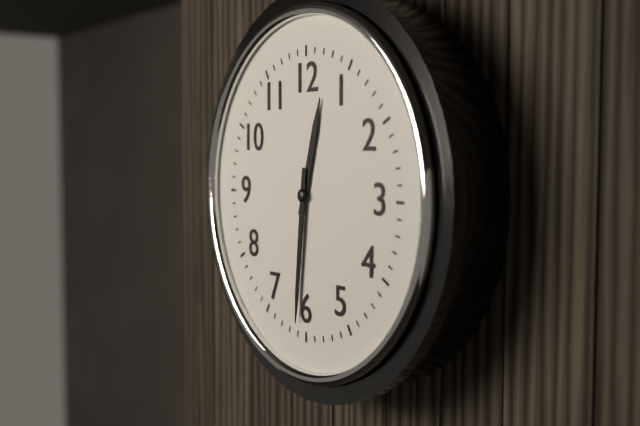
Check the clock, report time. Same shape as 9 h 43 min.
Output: 12 h 31 min
